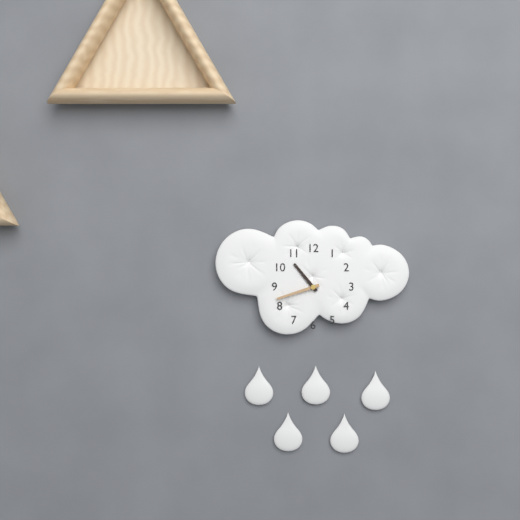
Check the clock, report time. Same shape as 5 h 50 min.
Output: 10 h 42 min
